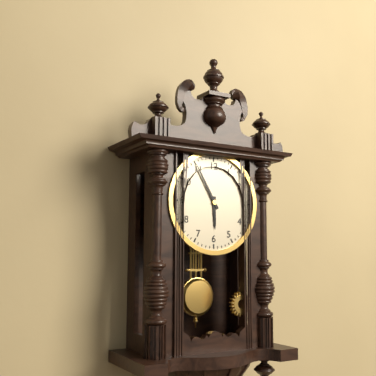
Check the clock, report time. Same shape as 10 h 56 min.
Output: 5 h 55 min
